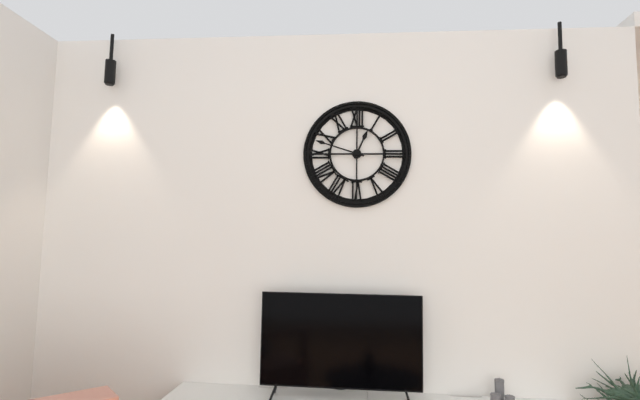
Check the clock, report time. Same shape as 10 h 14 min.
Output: 12 h 48 min
